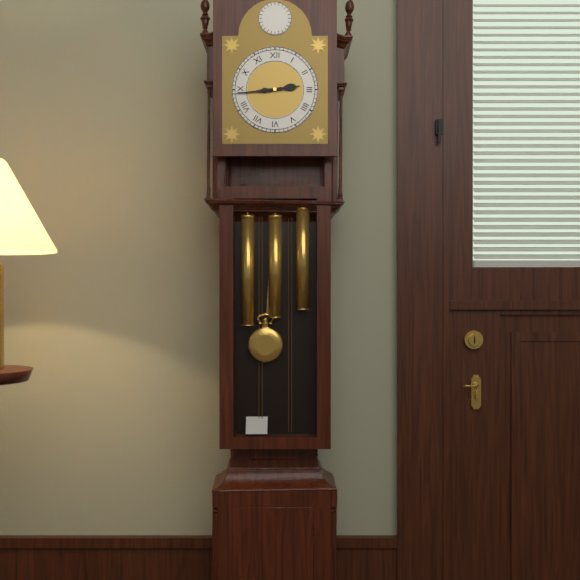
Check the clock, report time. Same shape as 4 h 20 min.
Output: 2 h 44 min
